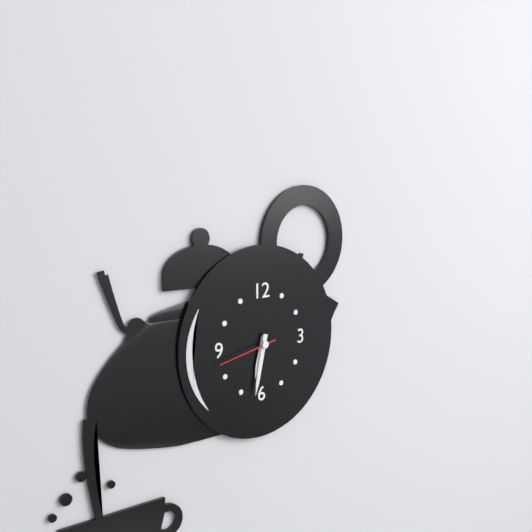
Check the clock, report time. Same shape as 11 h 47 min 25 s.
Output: 6 h 32 min 43 s
